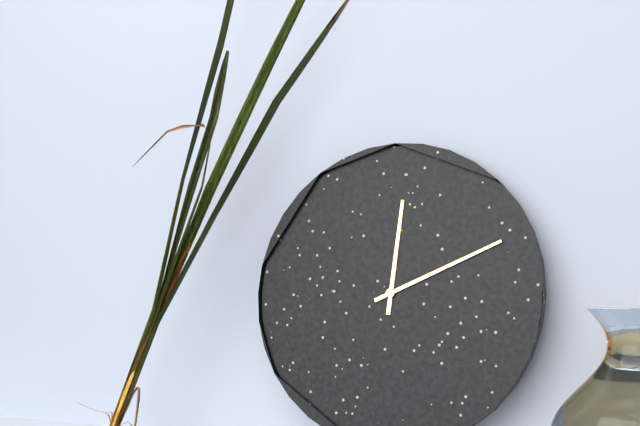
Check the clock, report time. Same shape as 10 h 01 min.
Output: 12 h 11 min
